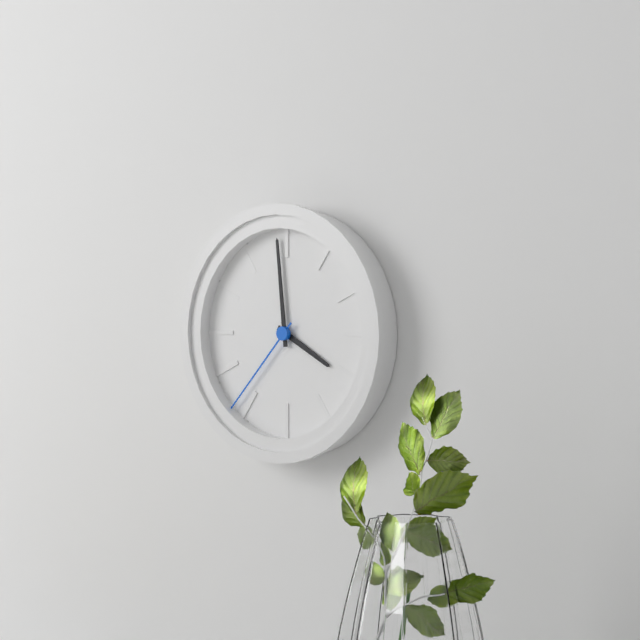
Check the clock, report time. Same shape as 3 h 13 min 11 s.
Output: 3 h 59 min 37 s
